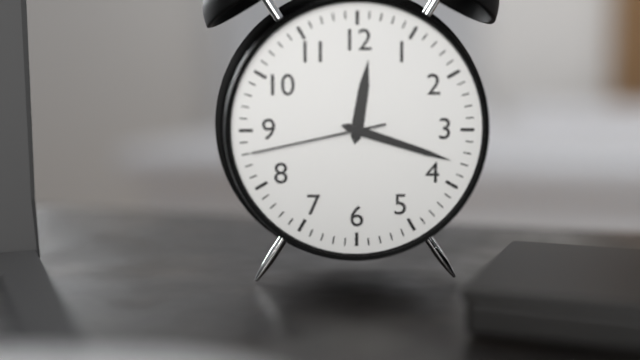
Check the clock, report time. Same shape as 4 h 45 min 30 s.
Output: 12 h 18 min 43 s
